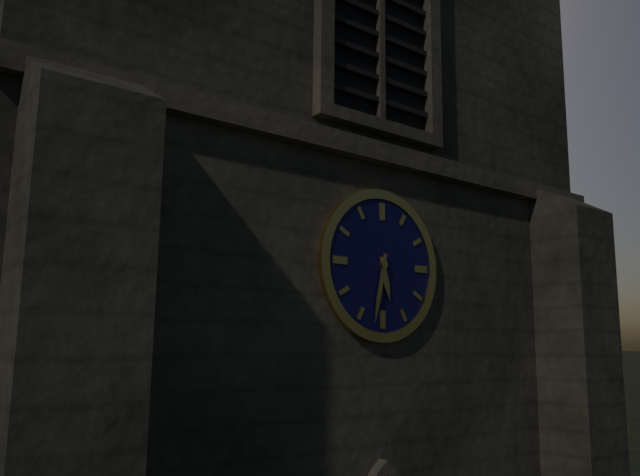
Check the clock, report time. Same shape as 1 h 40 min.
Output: 5 h 32 min
